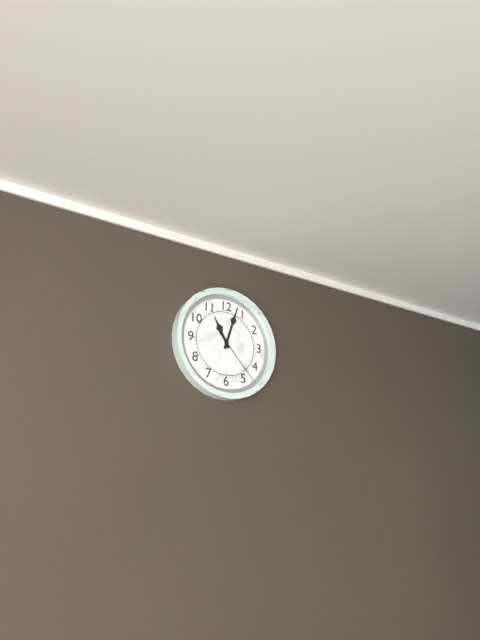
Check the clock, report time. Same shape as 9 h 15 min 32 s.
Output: 11 h 03 min 23 s
